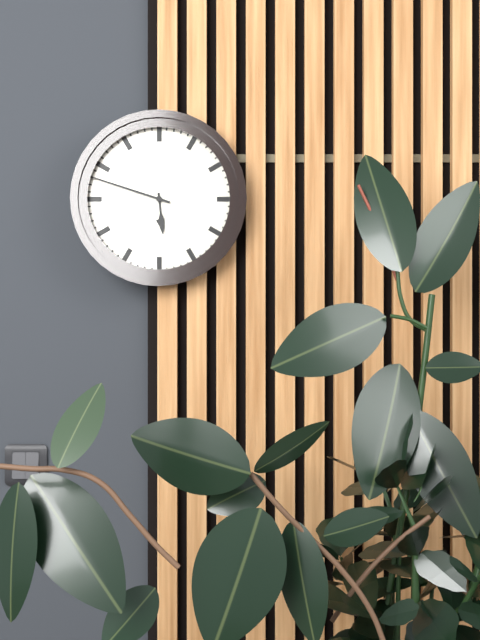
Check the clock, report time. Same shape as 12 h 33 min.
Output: 5 h 48 min
